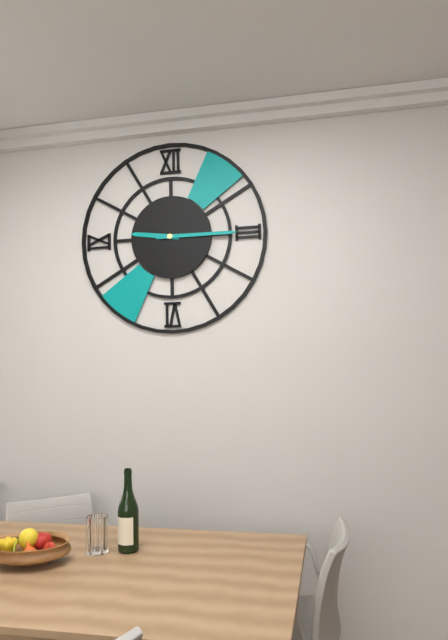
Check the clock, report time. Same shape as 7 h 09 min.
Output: 9 h 15 min
